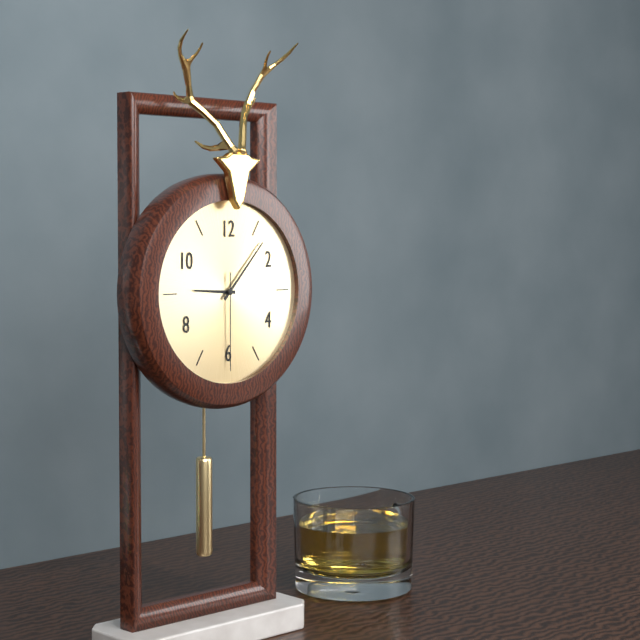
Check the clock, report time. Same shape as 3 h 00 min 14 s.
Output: 9 h 07 min 30 s
